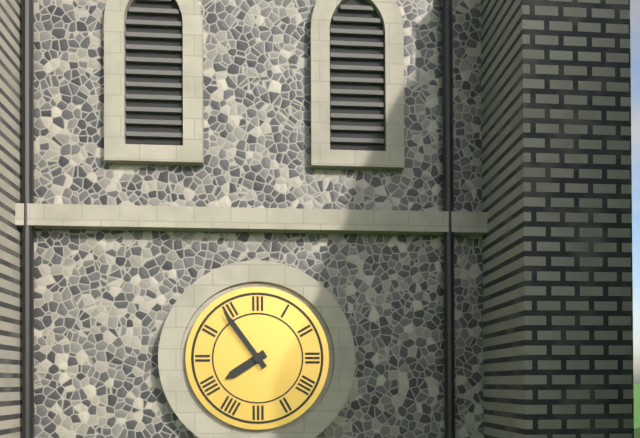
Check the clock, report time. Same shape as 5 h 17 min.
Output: 7 h 54 min
